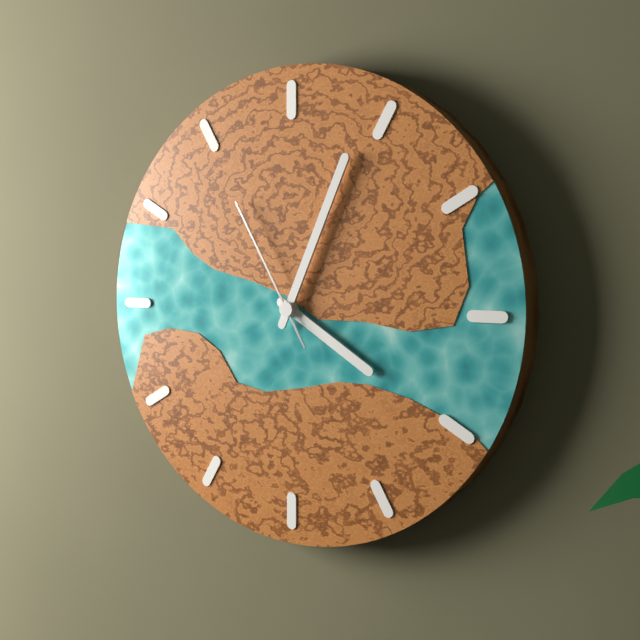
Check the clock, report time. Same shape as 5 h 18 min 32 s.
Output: 4 h 04 min 55 s
